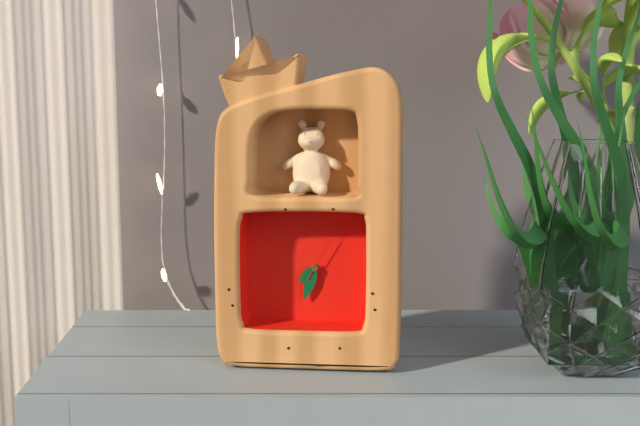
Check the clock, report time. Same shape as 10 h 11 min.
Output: 7 h 33 min
